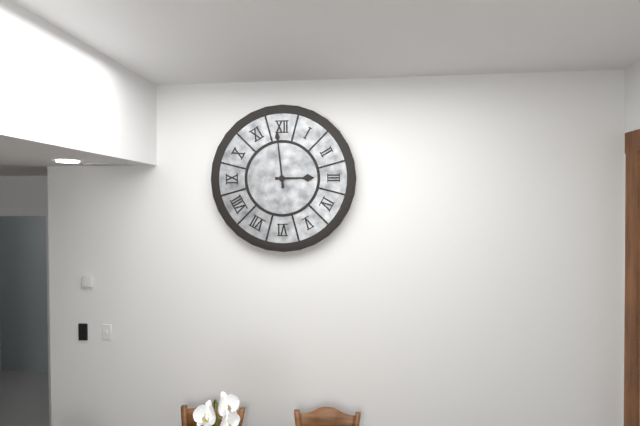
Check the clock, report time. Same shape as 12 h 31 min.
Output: 2 h 59 min
